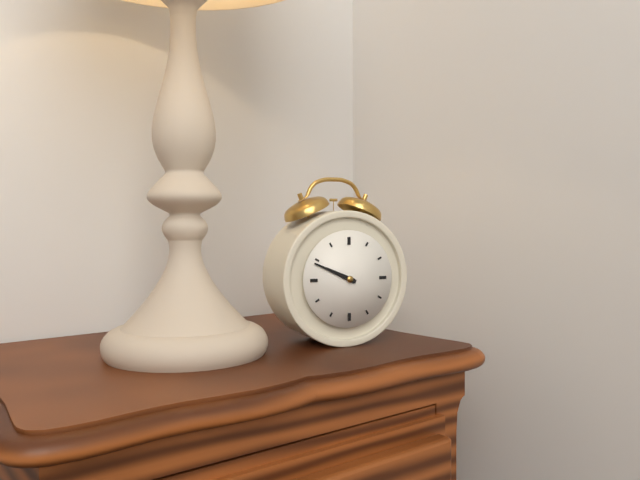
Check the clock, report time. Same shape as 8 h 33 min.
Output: 9 h 49 min
